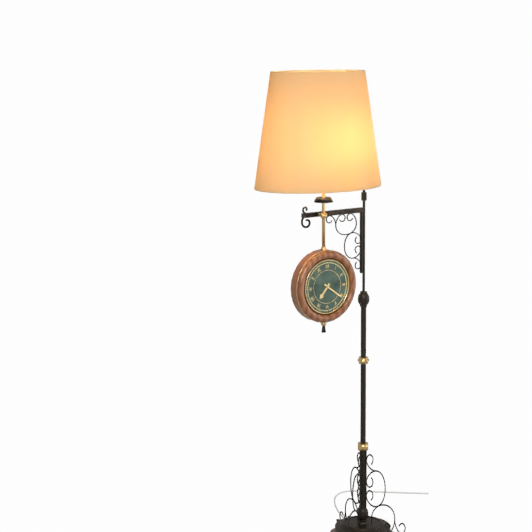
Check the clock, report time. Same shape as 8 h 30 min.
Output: 7 h 21 min
